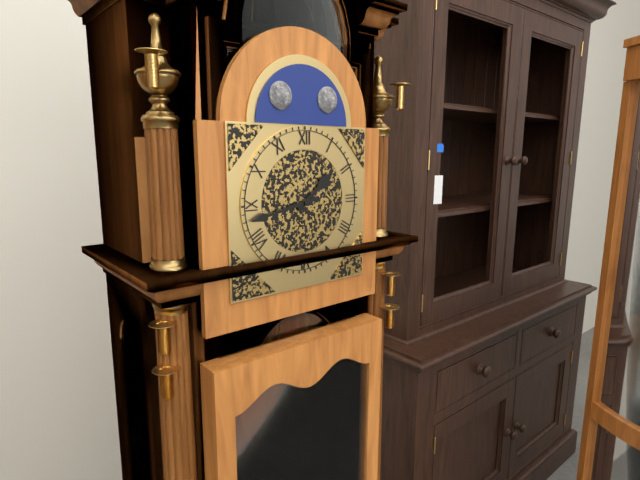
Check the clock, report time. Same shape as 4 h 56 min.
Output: 1 h 43 min
